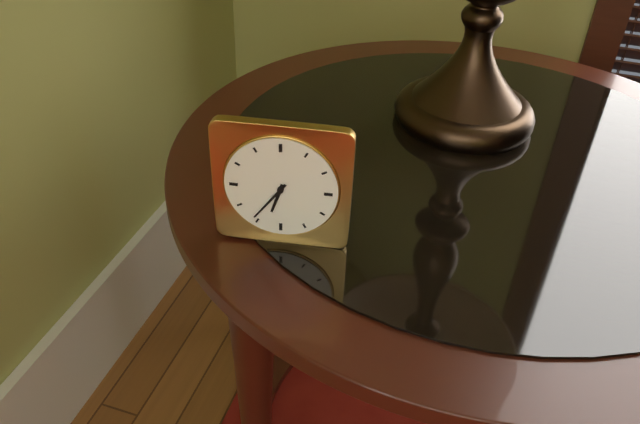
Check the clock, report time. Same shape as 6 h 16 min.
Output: 6 h 36 min
